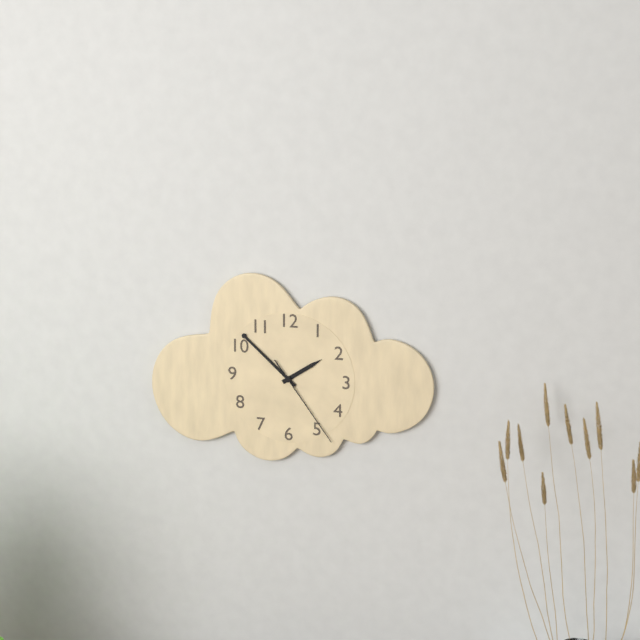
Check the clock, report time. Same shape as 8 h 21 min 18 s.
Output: 1 h 52 min 24 s
